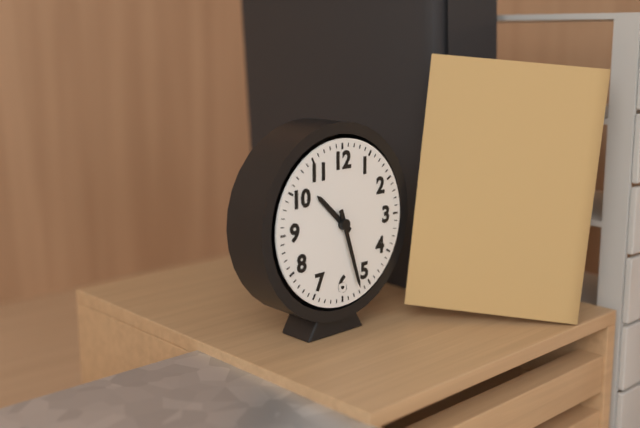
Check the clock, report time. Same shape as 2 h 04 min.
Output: 10 h 27 min
